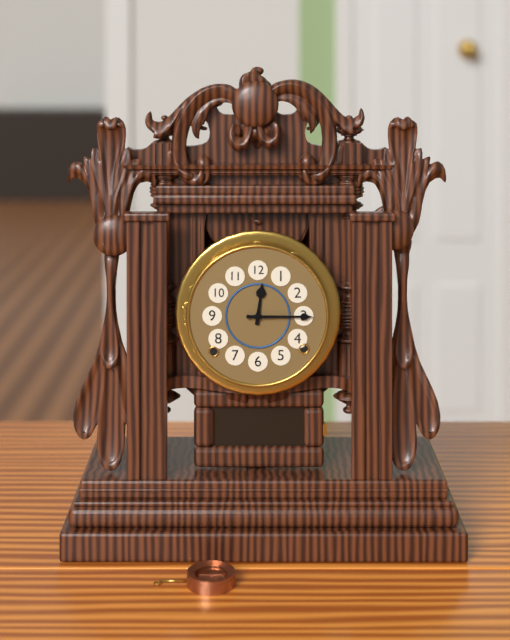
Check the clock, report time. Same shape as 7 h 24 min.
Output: 12 h 15 min
